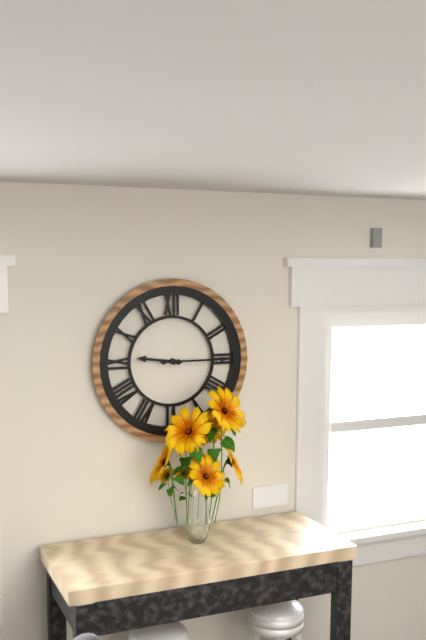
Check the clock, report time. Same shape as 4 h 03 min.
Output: 9 h 15 min
